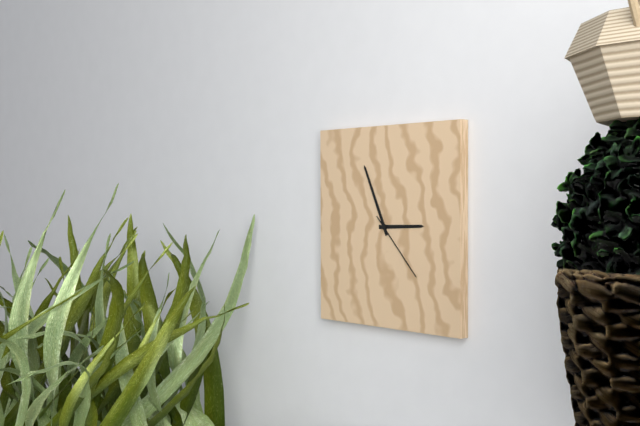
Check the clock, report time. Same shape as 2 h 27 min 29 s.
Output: 2 h 56 min 23 s
